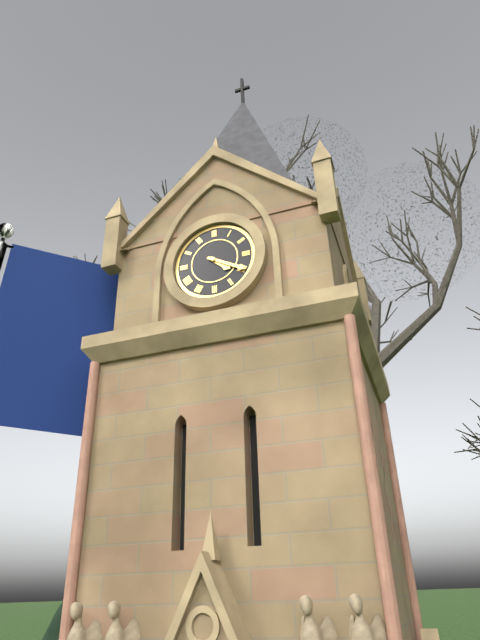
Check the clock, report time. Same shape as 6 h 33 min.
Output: 4 h 20 min
